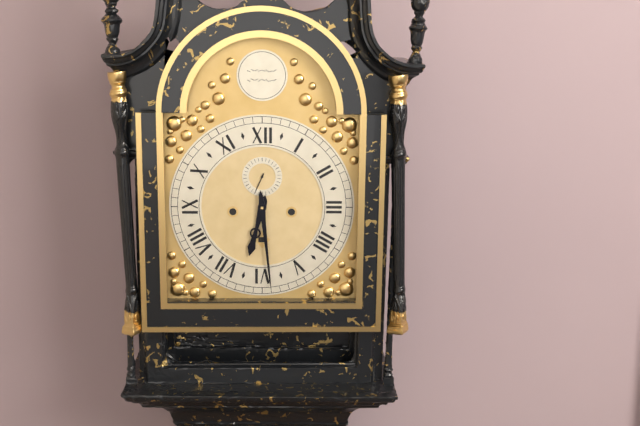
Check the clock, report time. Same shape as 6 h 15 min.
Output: 6 h 29 min
